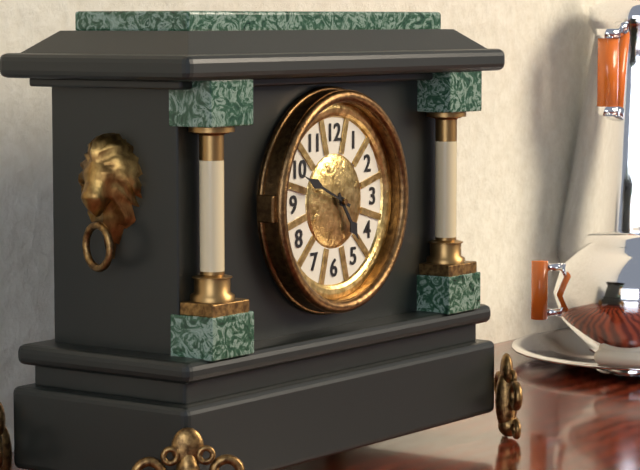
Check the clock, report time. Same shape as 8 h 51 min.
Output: 4 h 49 min
